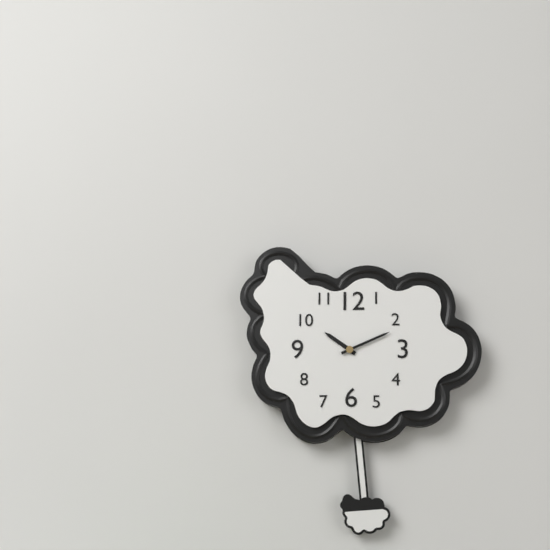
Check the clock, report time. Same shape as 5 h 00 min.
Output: 10 h 11 min
